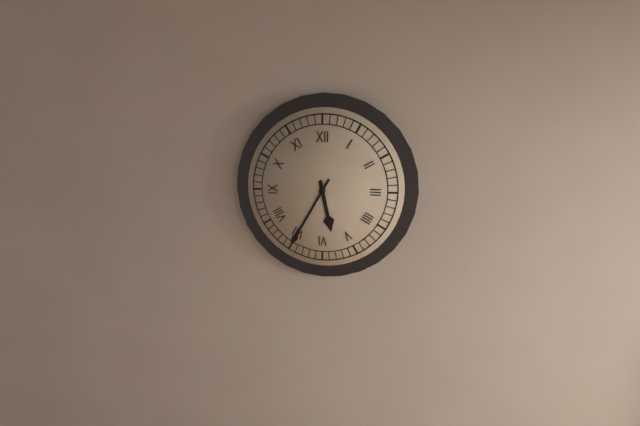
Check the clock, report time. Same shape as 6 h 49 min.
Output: 5 h 35 min
